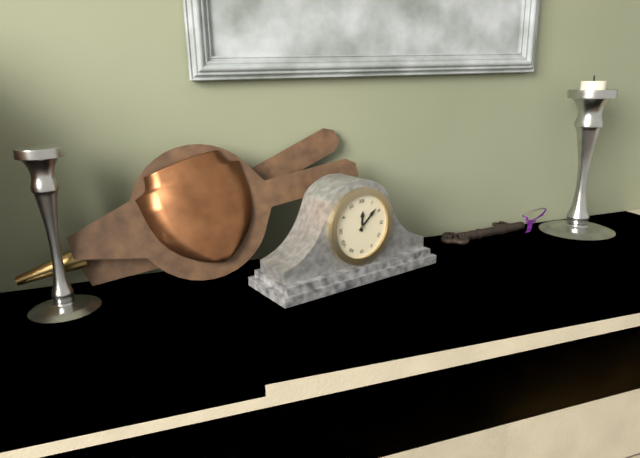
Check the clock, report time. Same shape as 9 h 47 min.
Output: 12 h 08 min
